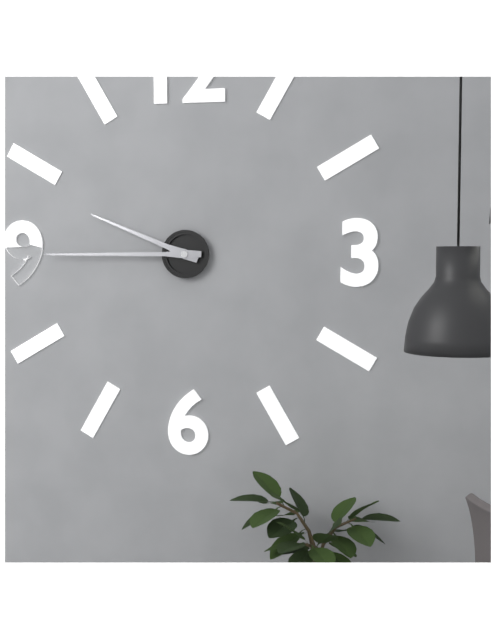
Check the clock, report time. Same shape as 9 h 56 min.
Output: 9 h 45 min
